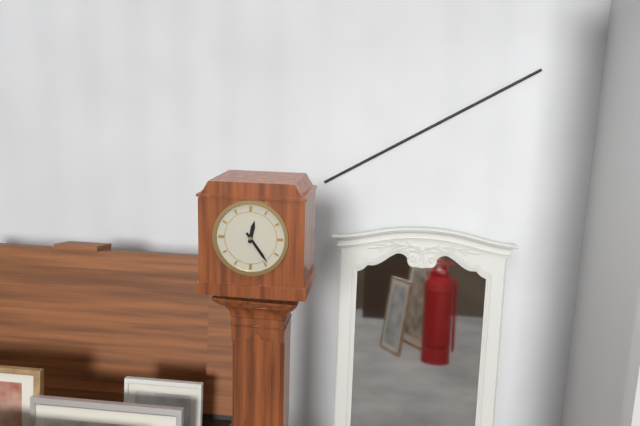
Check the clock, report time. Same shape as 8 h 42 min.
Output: 12 h 24 min
